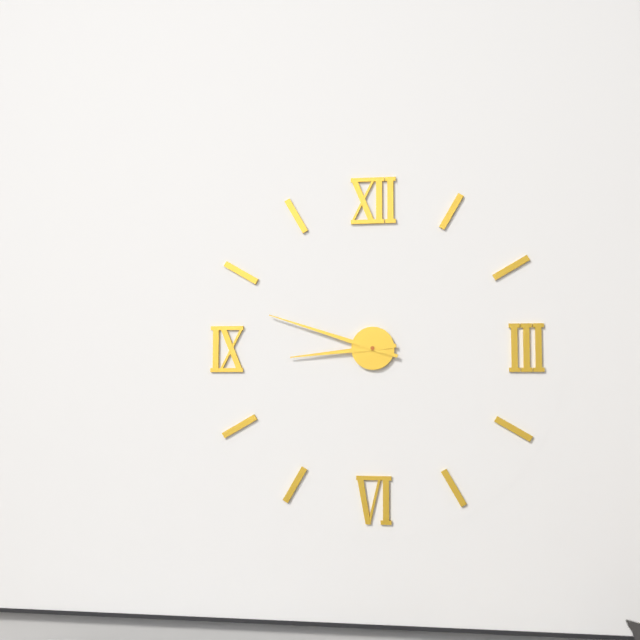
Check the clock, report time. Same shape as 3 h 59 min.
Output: 8 h 48 min
